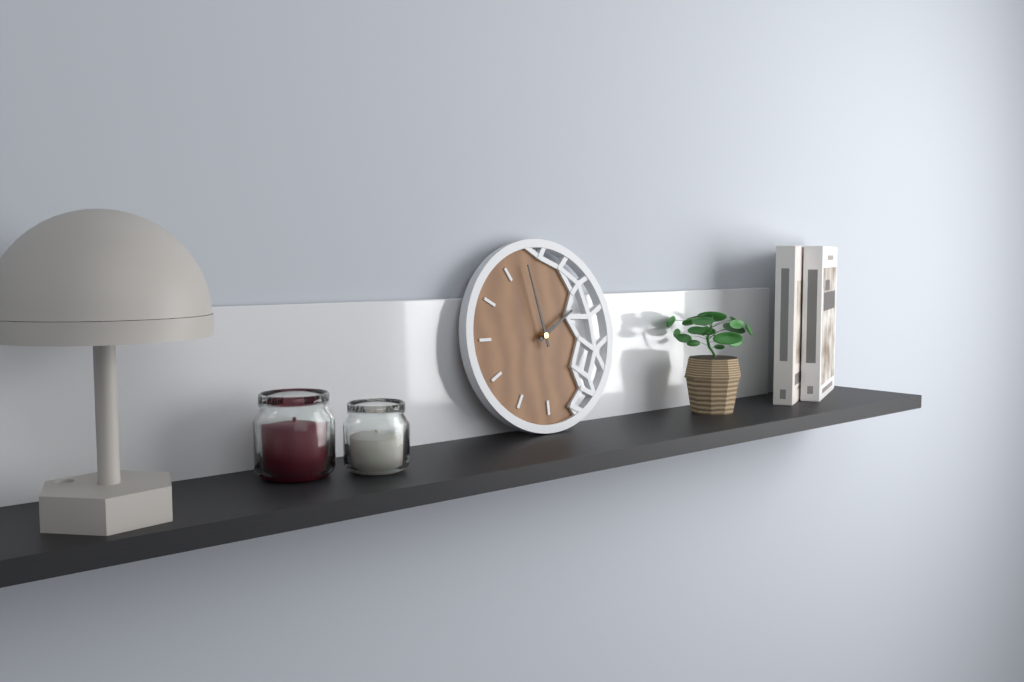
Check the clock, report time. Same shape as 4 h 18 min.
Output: 1 h 58 min
